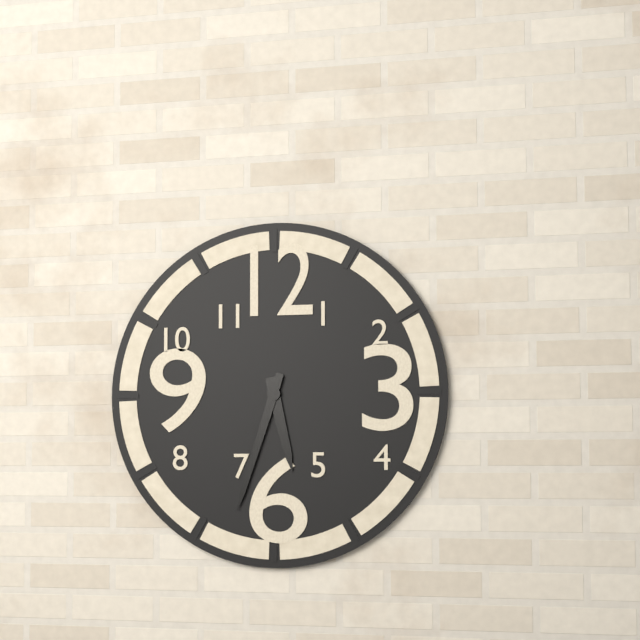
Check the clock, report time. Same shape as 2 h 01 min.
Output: 5 h 33 min
